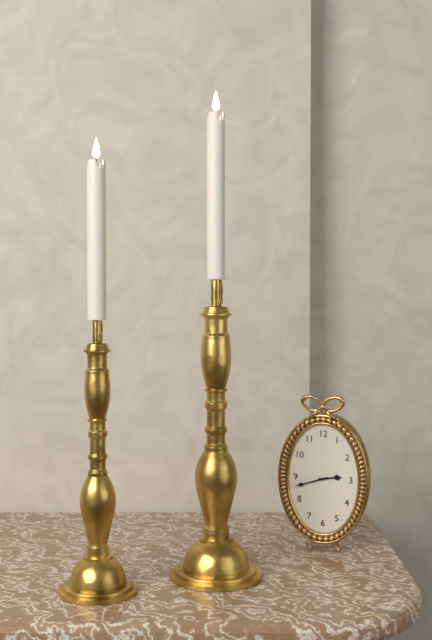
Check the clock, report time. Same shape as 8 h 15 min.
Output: 2 h 42 min
